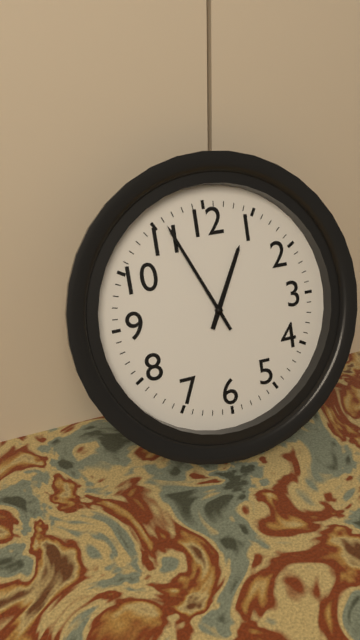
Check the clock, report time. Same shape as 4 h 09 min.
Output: 12 h 56 min
